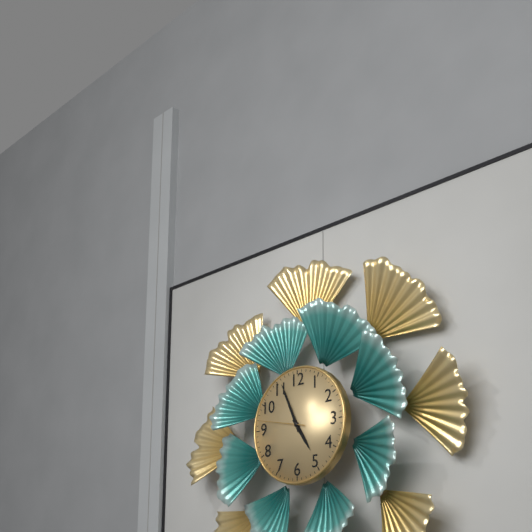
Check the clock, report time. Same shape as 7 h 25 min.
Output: 4 h 56 min
